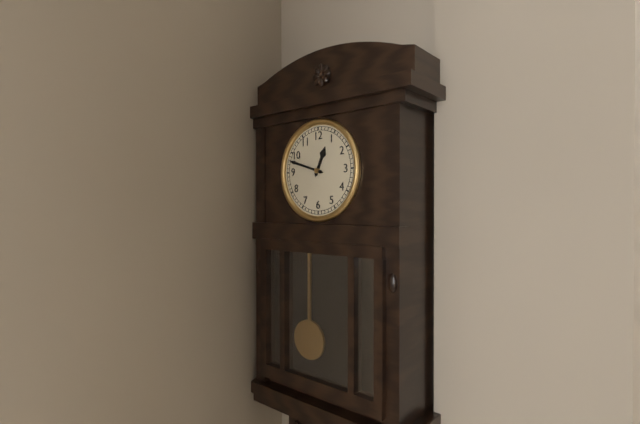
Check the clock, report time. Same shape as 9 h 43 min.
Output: 12 h 48 min
